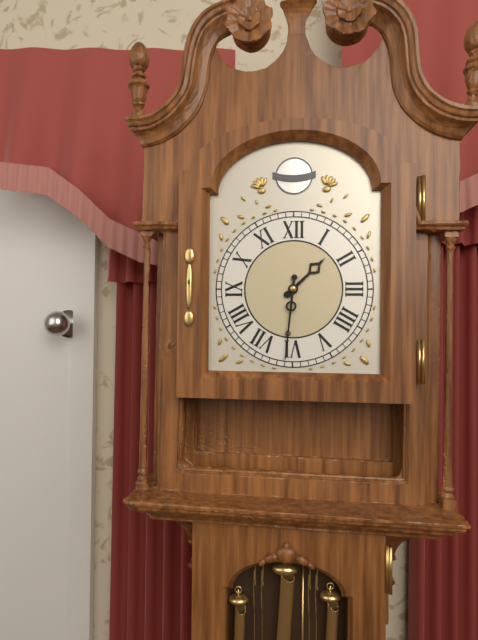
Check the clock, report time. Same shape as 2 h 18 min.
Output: 1 h 31 min
